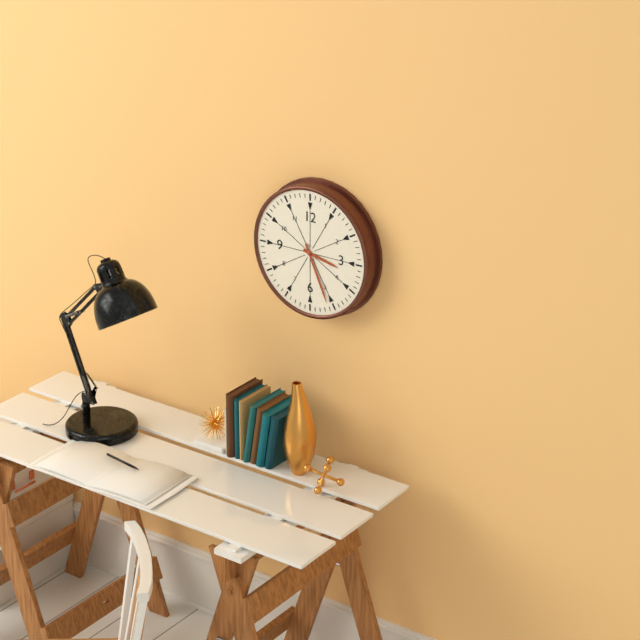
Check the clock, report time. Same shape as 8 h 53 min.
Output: 3 h 26 min
